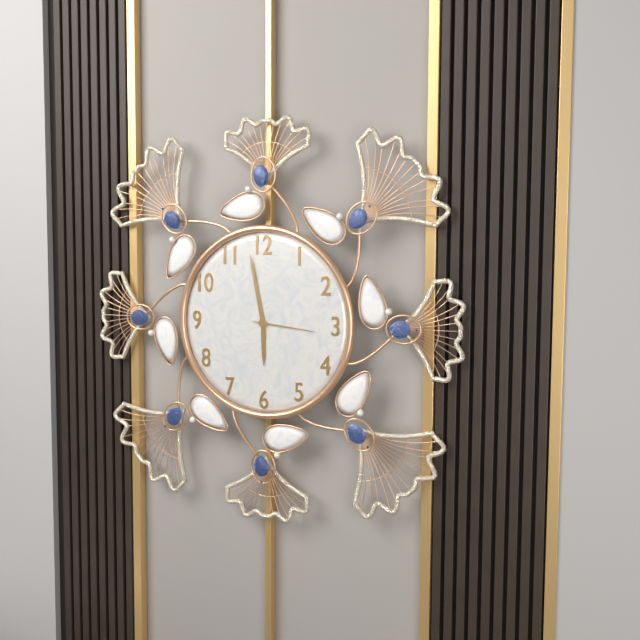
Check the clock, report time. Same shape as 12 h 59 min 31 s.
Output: 5 h 58 min 16 s
